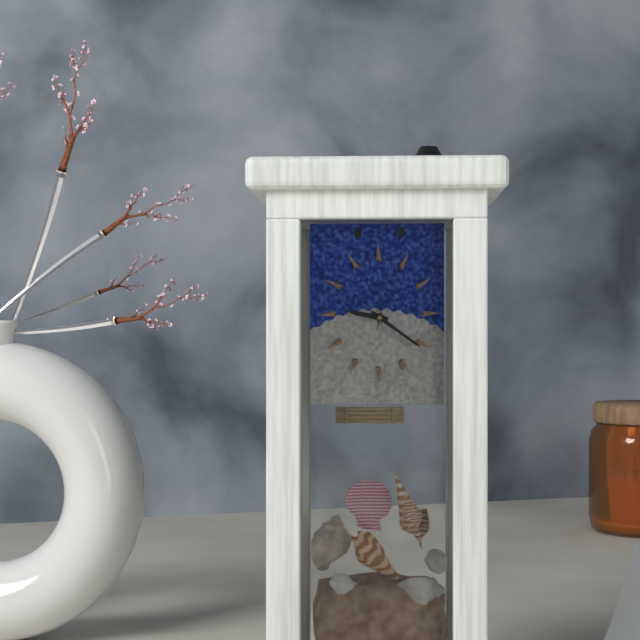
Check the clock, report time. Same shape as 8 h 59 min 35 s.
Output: 9 h 21 min 02 s
